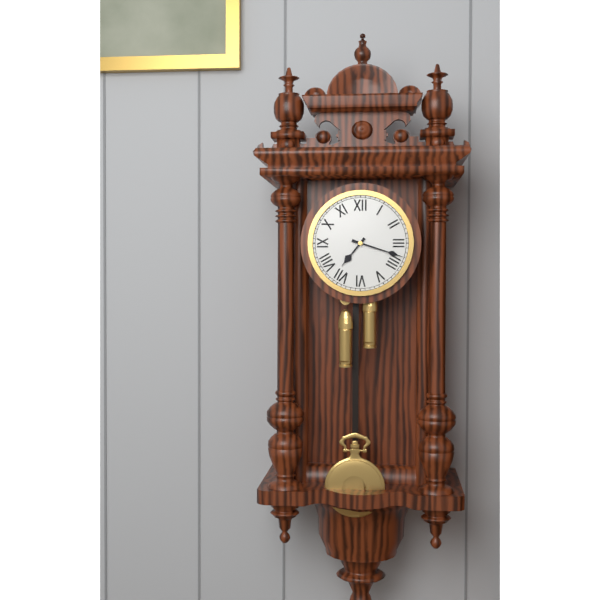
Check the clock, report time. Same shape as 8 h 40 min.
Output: 7 h 18 min
